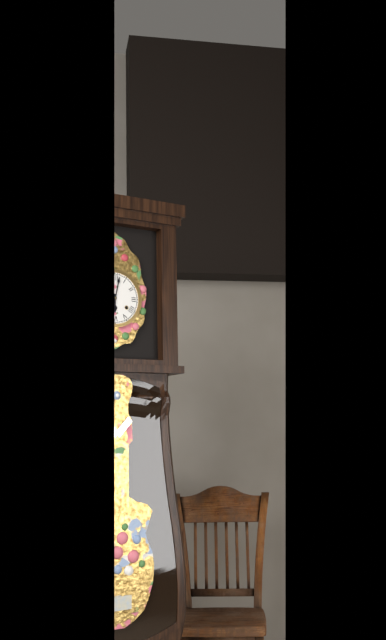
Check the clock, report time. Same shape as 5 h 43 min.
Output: 6 h 02 min
